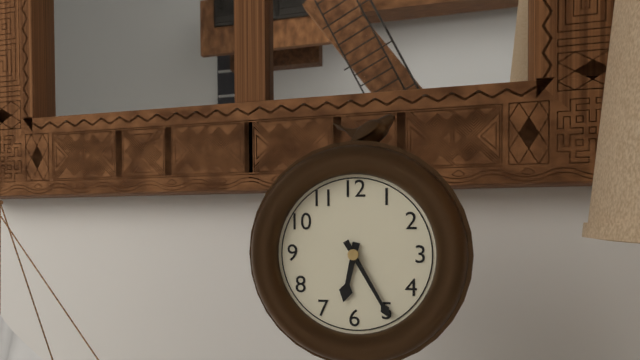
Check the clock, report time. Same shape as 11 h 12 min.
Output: 6 h 25 min
